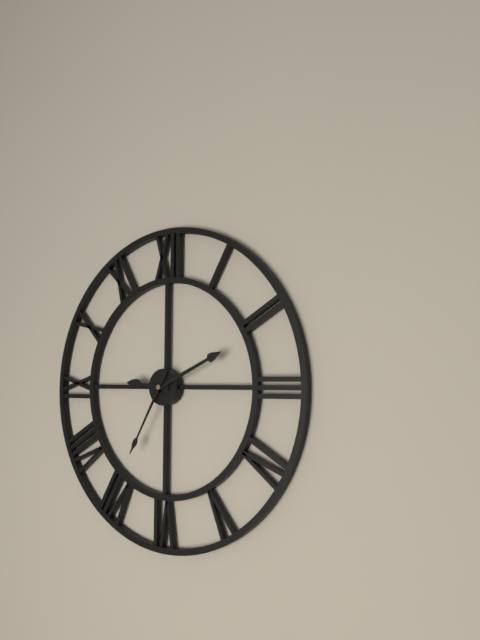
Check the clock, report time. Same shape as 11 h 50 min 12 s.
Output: 9 h 11 min 35 s
